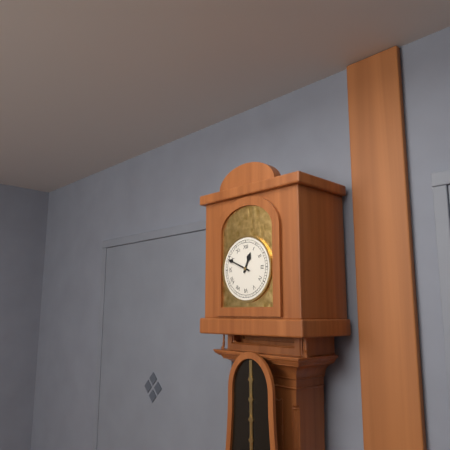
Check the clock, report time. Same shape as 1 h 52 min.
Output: 12 h 49 min
